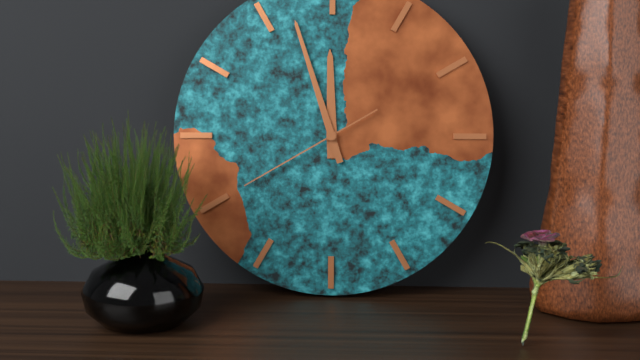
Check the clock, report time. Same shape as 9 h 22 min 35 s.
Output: 11 h 57 min 40 s
